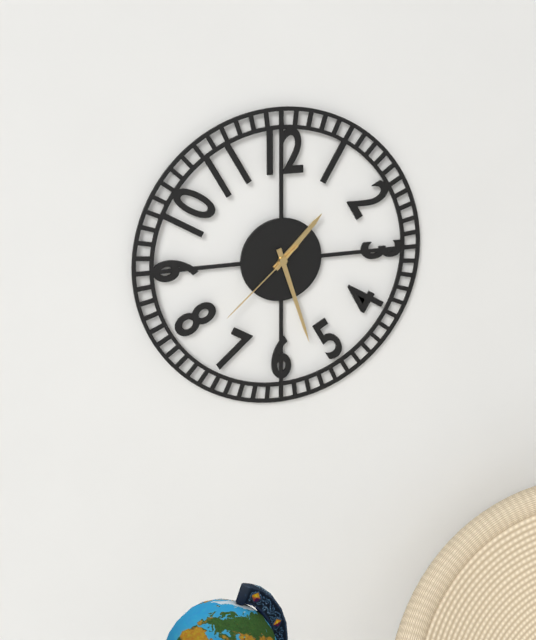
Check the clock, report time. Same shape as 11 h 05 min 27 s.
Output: 1 h 27 min 38 s
